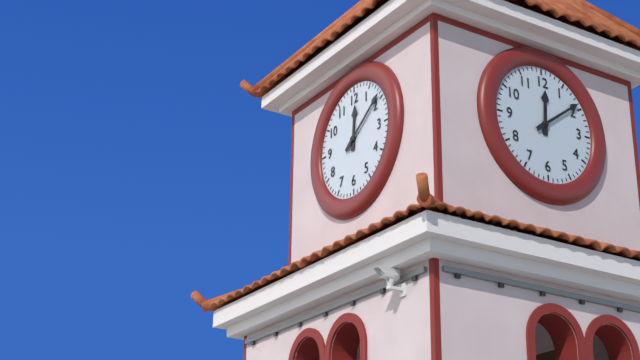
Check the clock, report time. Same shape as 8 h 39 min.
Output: 12 h 09 min
